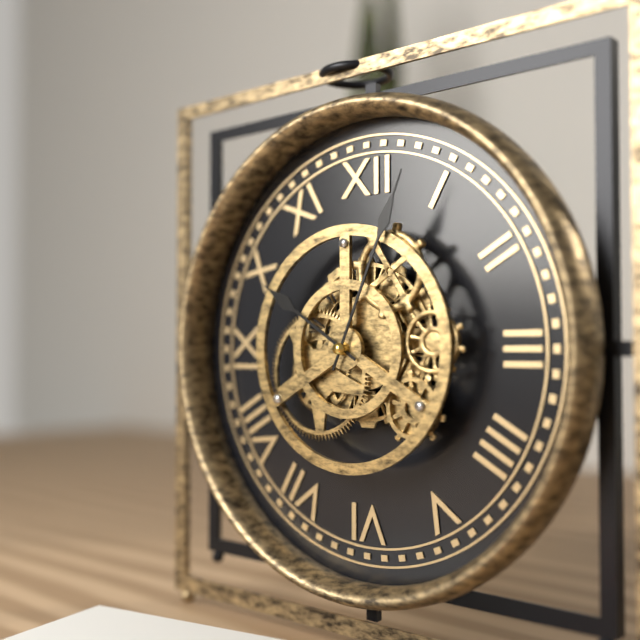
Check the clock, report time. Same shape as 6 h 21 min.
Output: 10 h 04 min
